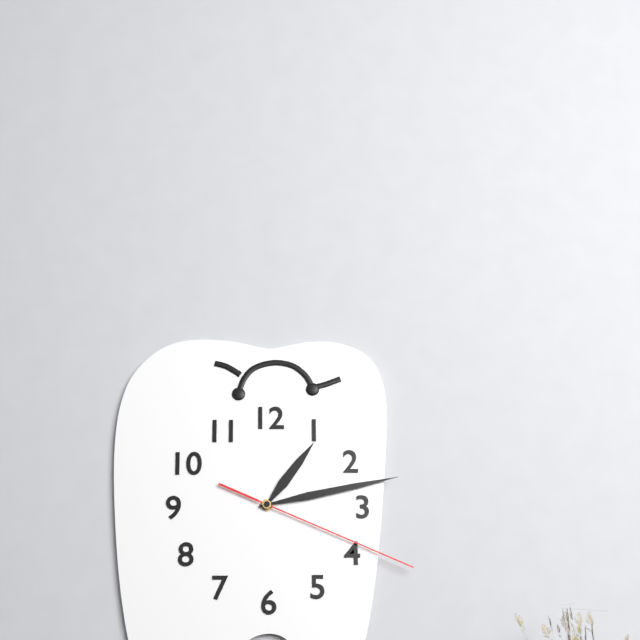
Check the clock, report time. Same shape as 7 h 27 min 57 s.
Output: 1 h 13 min 19 s
